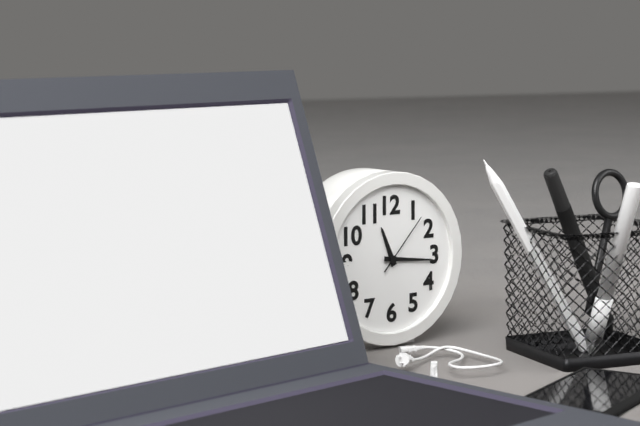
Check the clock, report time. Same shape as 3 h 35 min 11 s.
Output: 11 h 16 min 07 s
